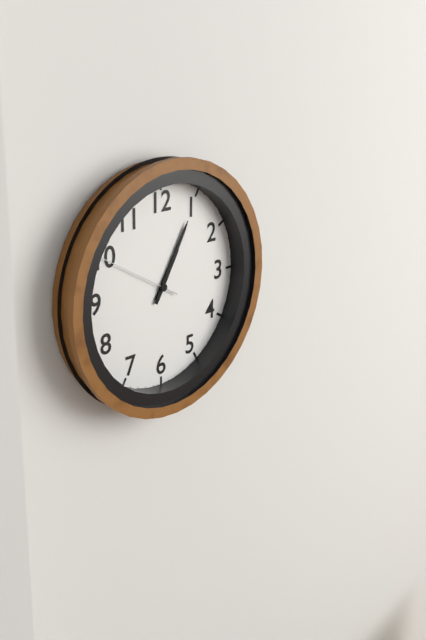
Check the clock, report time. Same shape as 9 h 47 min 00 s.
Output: 1 h 05 min 50 s
